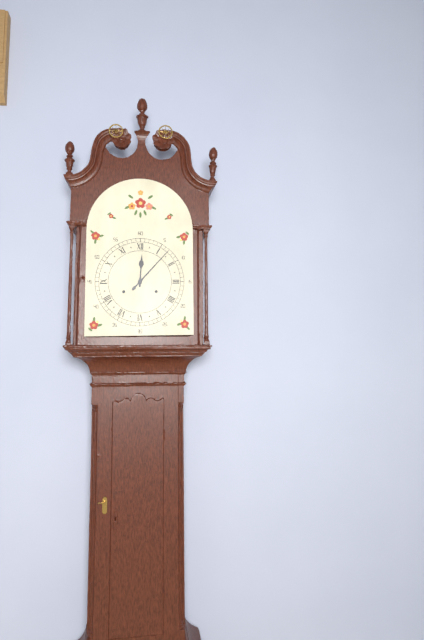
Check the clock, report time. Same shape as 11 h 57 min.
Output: 12 h 07 min
